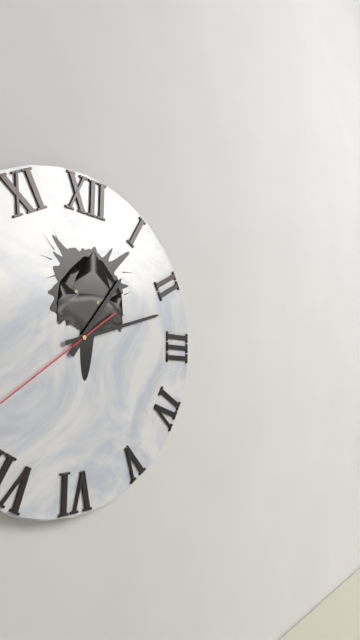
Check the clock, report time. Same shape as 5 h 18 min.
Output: 1 h 12 min
